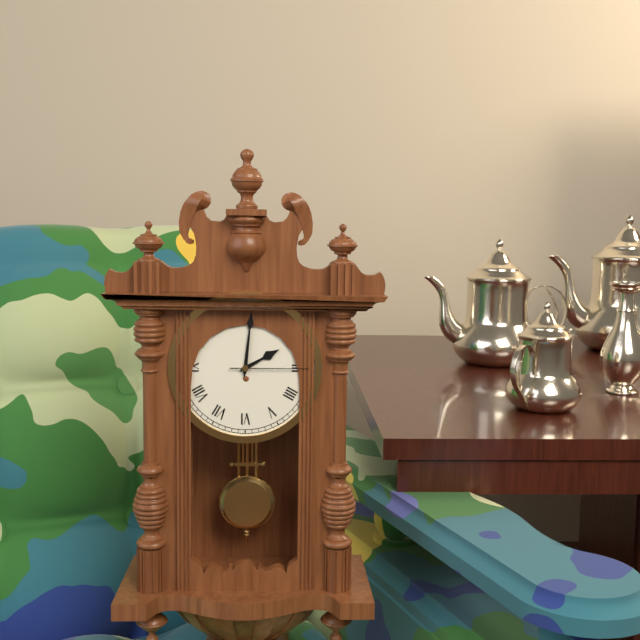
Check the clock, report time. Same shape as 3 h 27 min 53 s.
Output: 2 h 01 min 15 s
